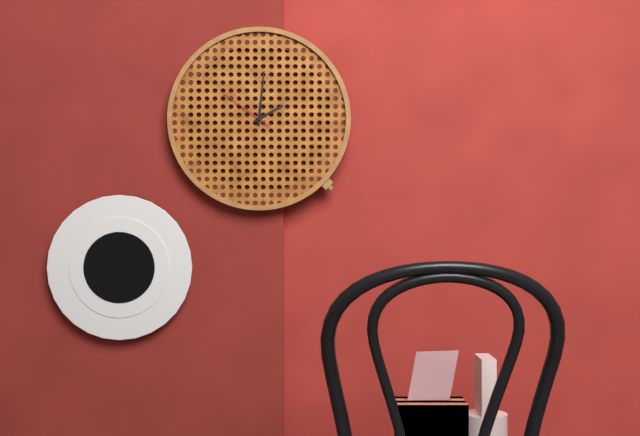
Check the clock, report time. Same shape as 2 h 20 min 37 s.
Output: 2 h 01 min 51 s
